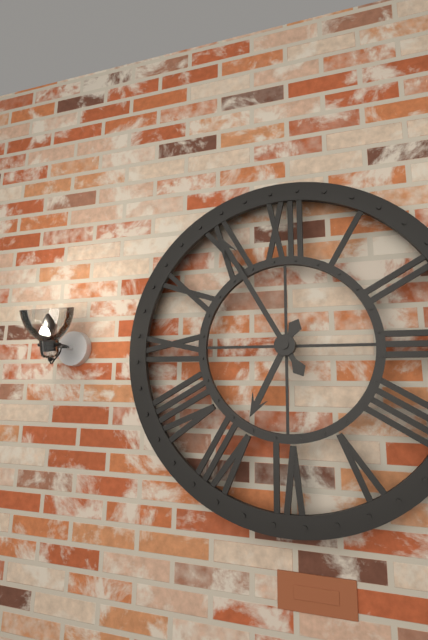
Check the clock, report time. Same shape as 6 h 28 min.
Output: 6 h 55 min
